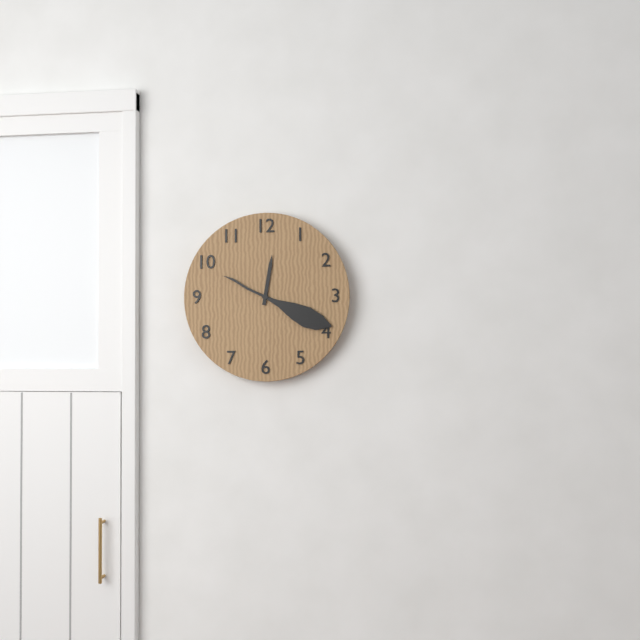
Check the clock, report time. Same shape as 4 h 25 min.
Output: 12 h 19 min
